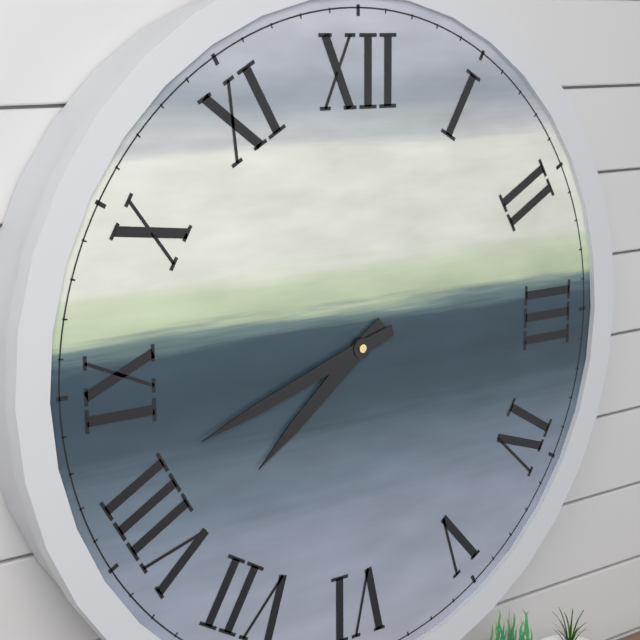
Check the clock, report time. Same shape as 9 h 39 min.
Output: 7 h 42 min
